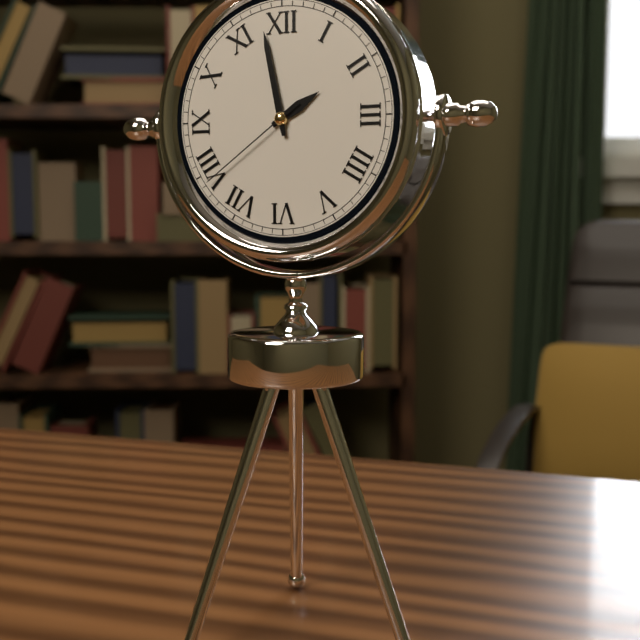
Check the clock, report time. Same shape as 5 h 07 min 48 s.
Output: 1 h 58 min 39 s
